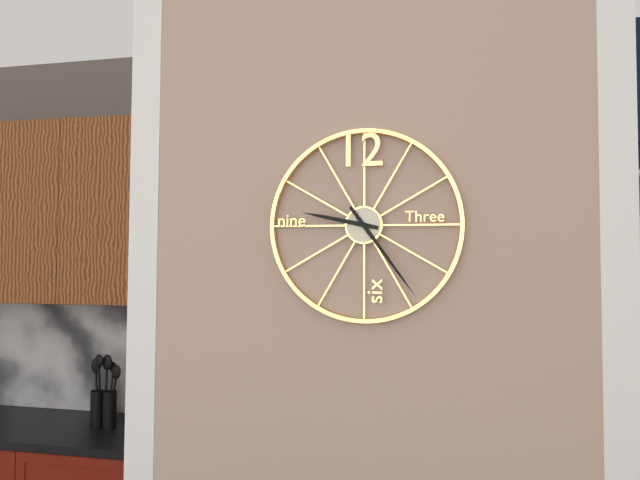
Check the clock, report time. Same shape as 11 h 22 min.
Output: 9 h 24 min
